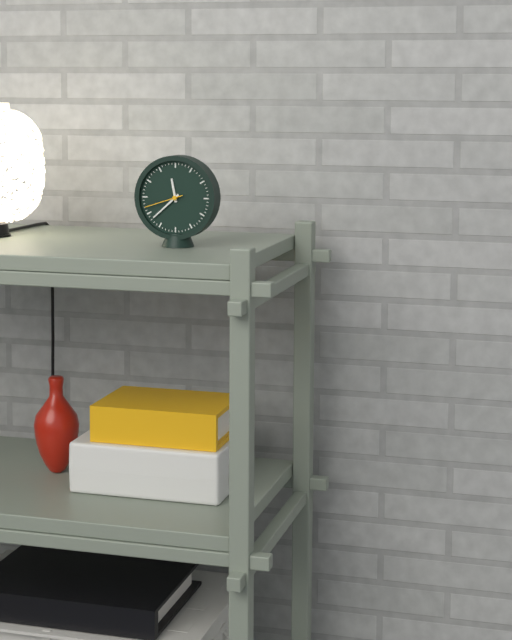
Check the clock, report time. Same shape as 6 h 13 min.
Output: 11 h 38 min
